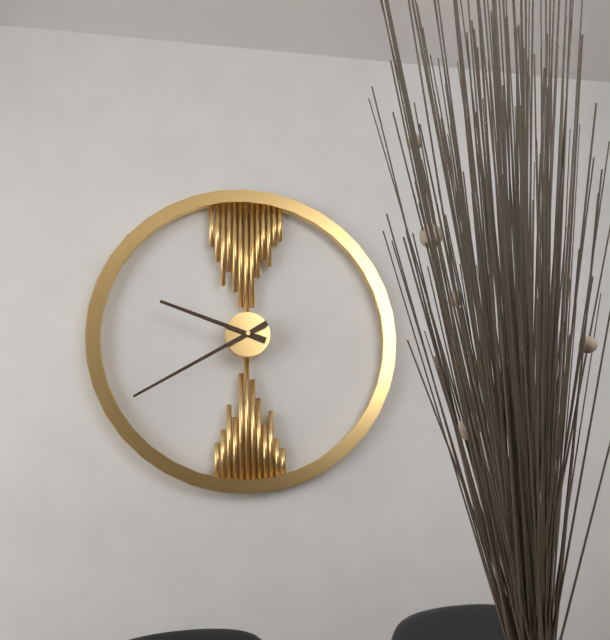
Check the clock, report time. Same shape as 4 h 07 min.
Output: 9 h 40 min
